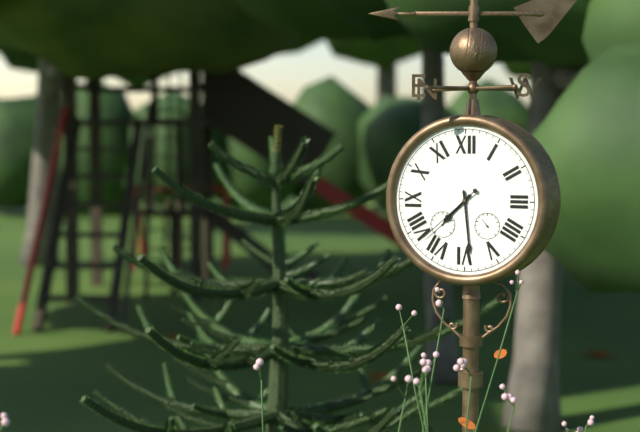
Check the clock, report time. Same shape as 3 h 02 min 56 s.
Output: 7 h 29 min 38 s
